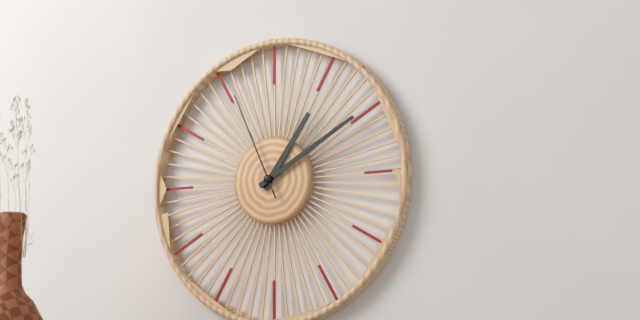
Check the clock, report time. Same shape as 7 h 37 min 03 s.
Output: 1 h 10 min 56 s
